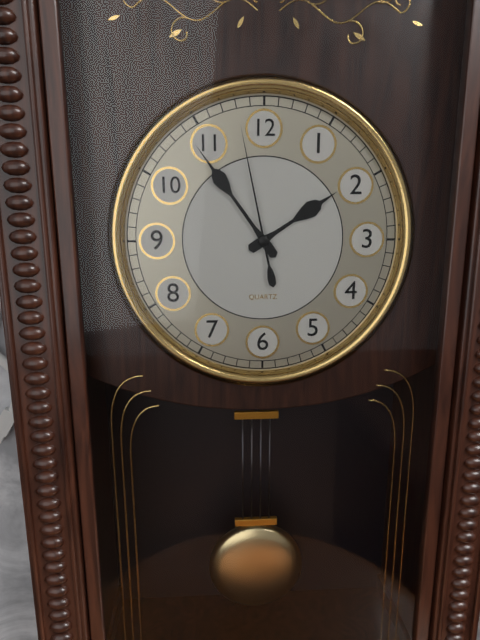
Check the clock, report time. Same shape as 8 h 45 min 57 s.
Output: 1 h 54 min 58 s
